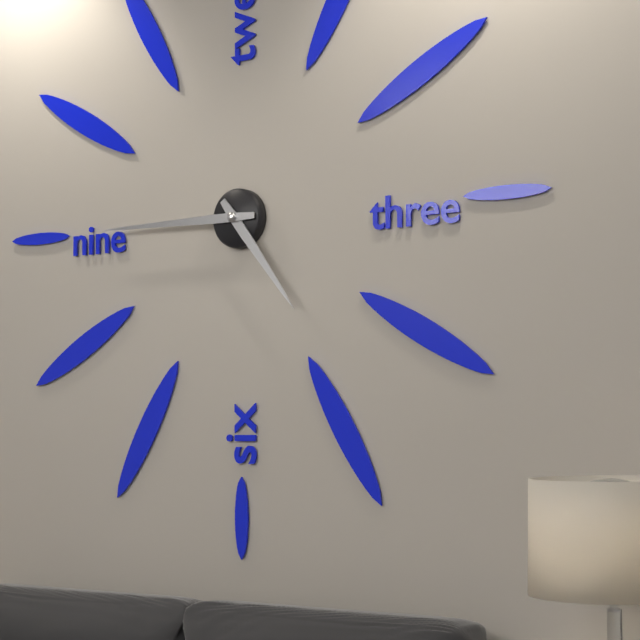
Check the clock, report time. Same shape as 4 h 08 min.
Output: 4 h 45 min
